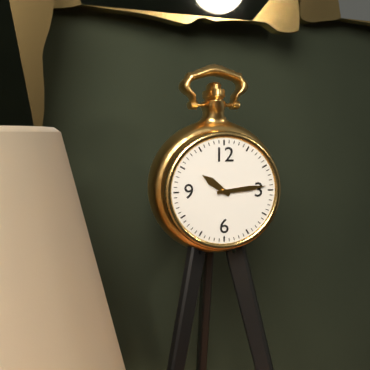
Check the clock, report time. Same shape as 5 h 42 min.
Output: 10 h 14 min
